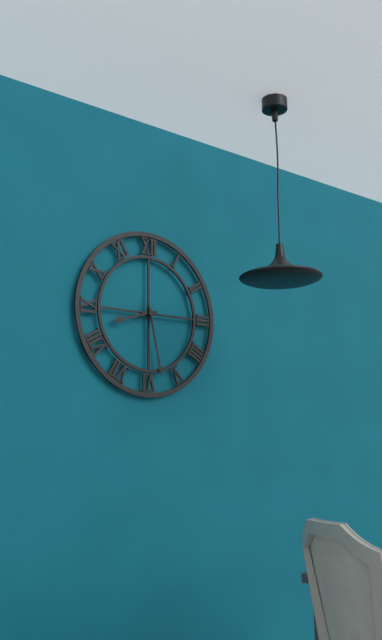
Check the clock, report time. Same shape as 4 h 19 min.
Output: 8 h 28 min
